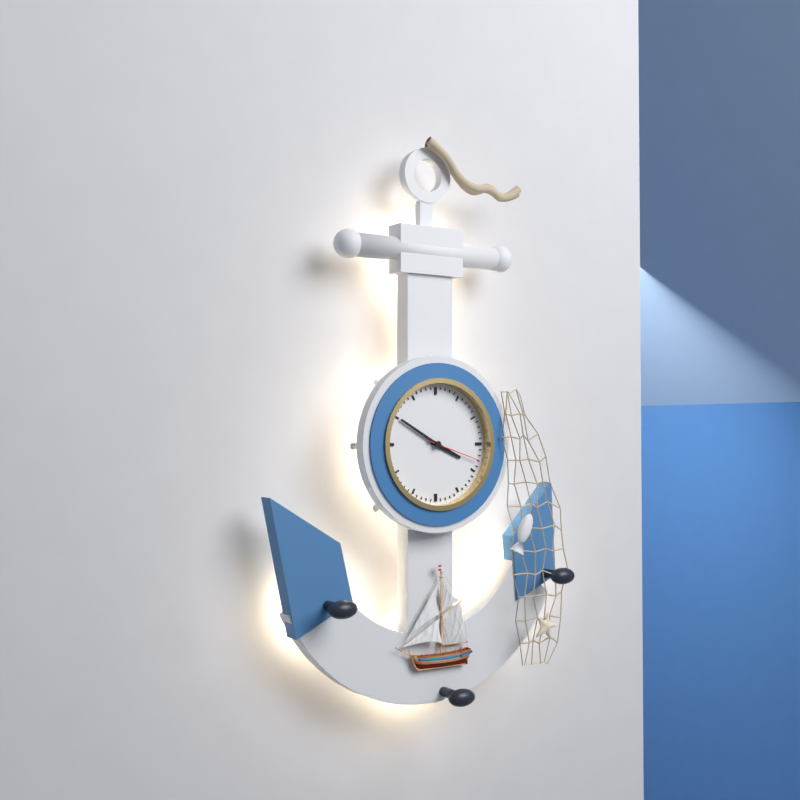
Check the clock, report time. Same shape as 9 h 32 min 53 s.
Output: 3 h 50 min 18 s
